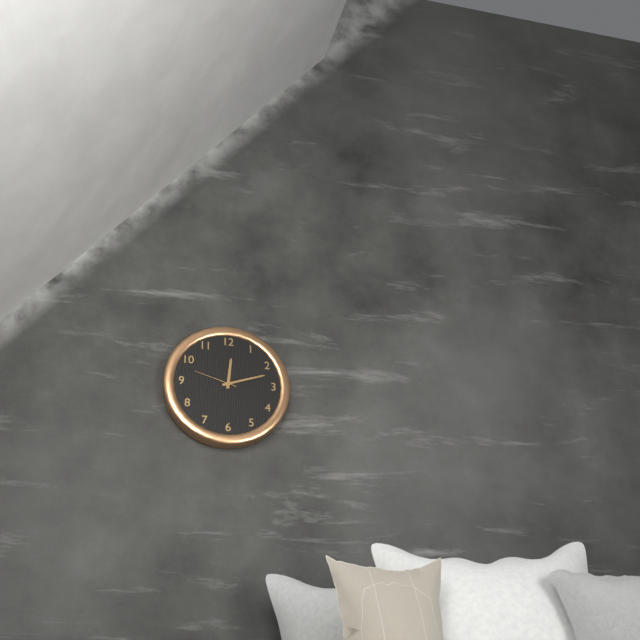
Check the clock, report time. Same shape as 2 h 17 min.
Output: 12 h 12 min
